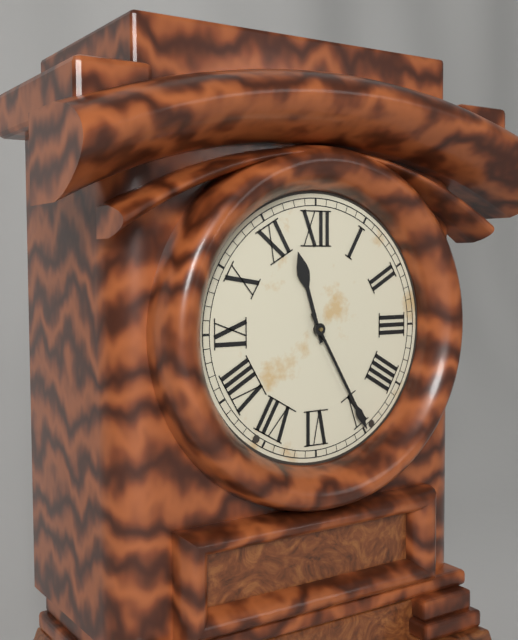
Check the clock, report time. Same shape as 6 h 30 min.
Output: 11 h 25 min
